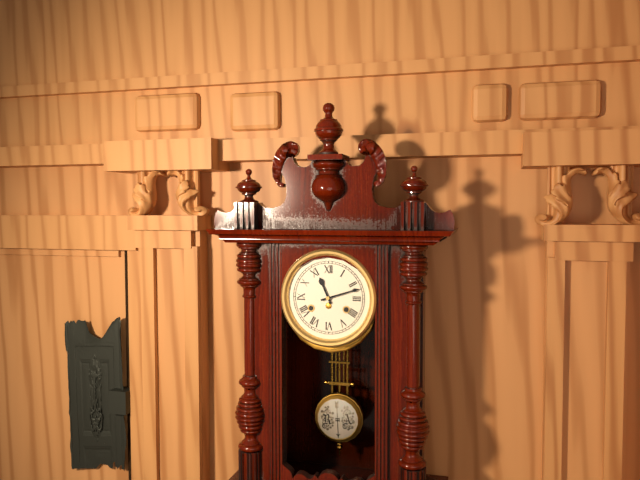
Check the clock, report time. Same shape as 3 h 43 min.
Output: 11 h 12 min
